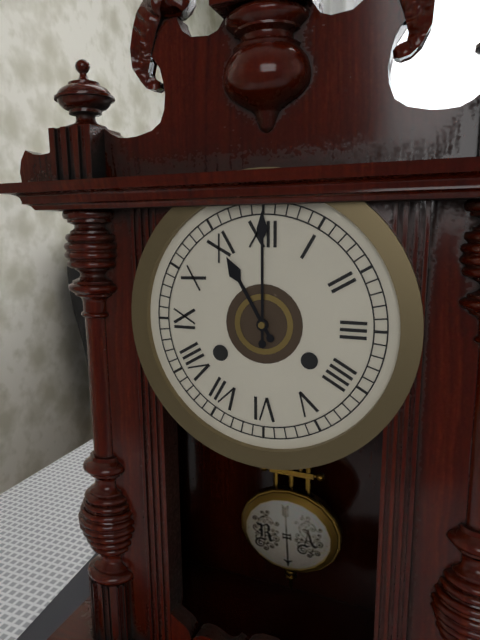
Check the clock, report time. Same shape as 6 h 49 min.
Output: 11 h 00 min
